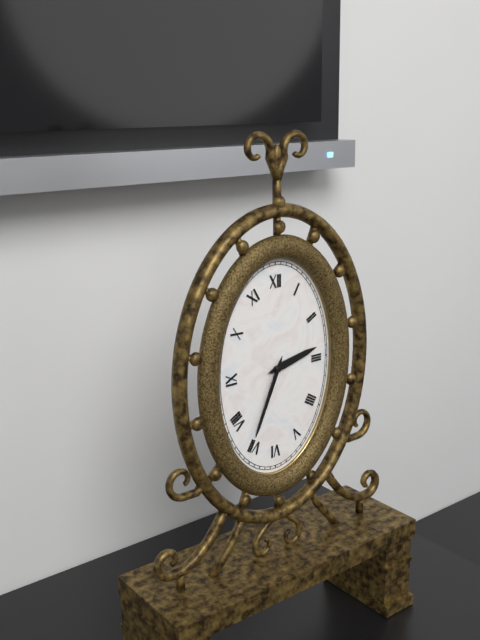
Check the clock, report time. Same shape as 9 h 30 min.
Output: 2 h 34 min
